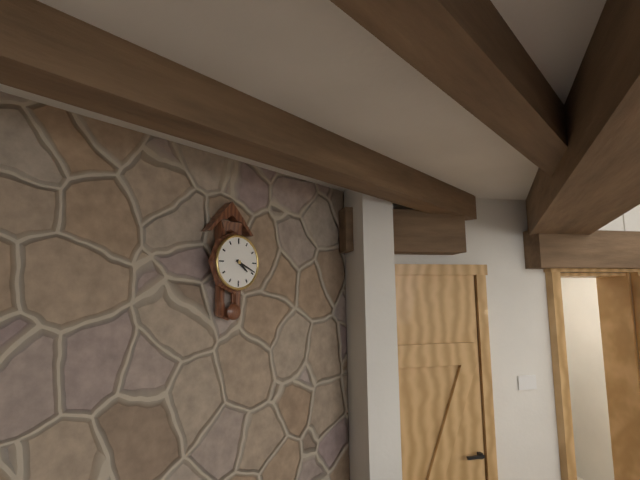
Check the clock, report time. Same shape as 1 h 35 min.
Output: 4 h 19 min
